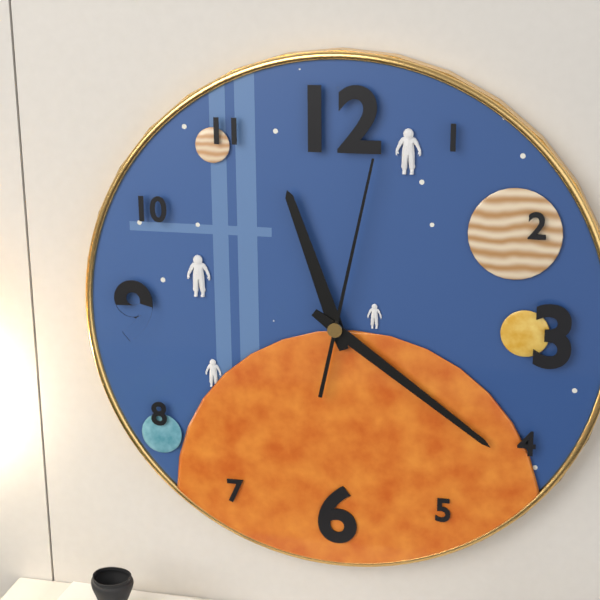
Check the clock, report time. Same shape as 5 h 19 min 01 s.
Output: 11 h 21 min 02 s
